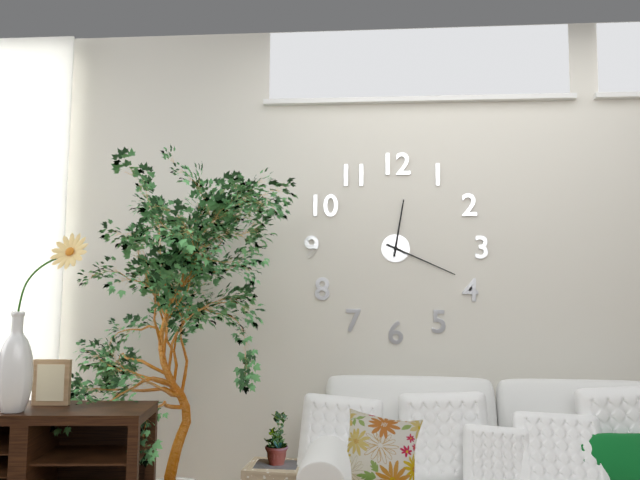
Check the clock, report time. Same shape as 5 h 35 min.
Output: 12 h 19 min
